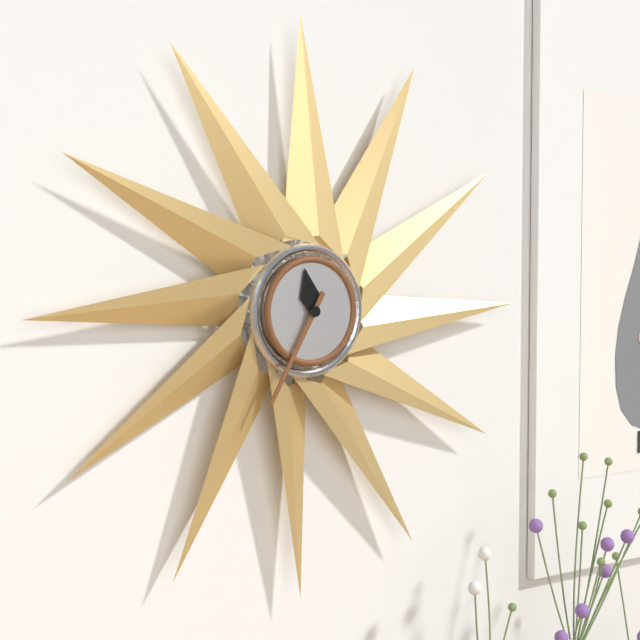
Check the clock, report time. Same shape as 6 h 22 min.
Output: 11 h 35 min
